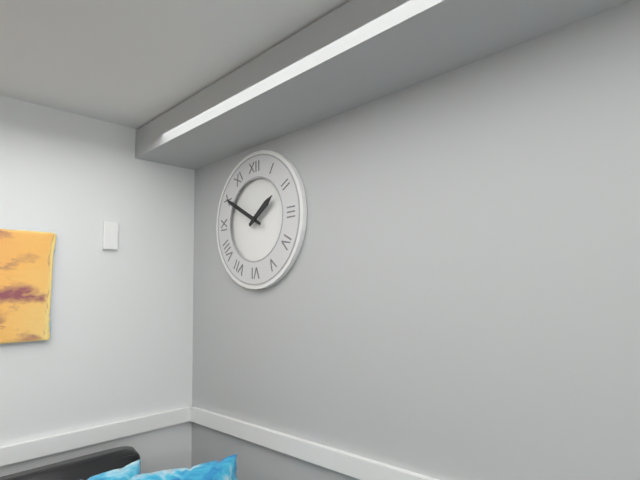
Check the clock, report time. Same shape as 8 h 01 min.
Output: 1 h 50 min
